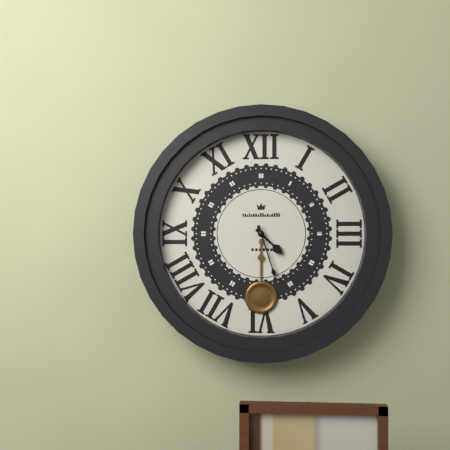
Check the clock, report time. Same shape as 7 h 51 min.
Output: 4 h 27 min
